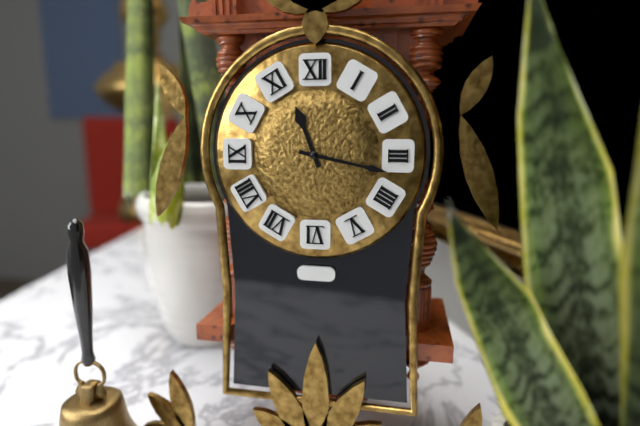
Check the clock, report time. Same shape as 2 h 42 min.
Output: 11 h 17 min
